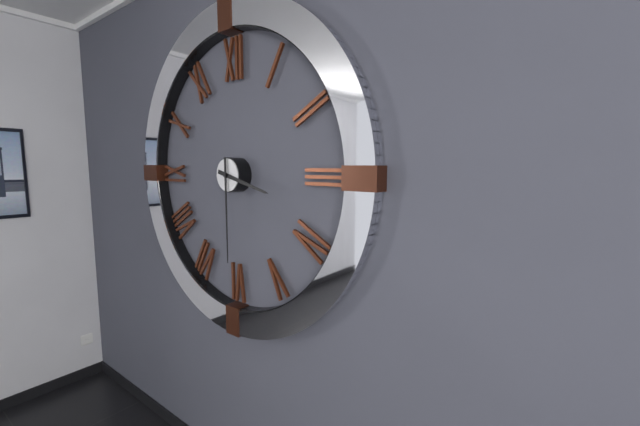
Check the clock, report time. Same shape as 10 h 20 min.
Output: 3 h 30 min
